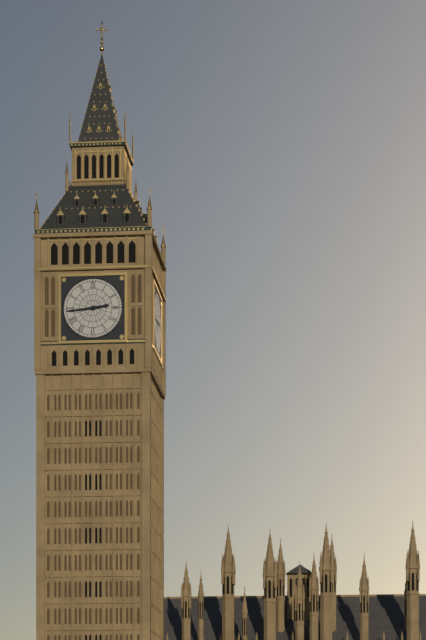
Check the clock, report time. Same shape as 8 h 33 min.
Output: 2 h 44 min
